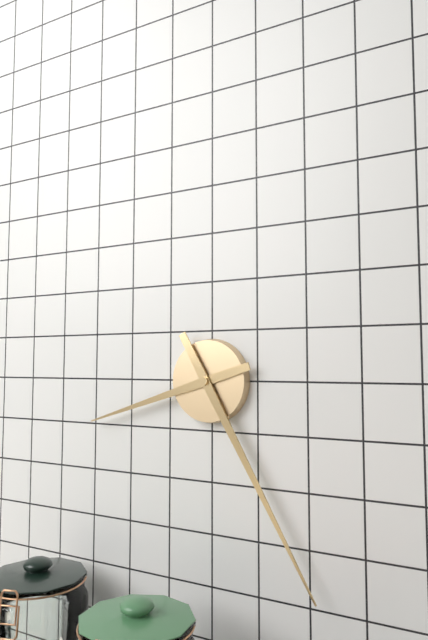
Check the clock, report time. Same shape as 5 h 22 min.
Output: 8 h 25 min
